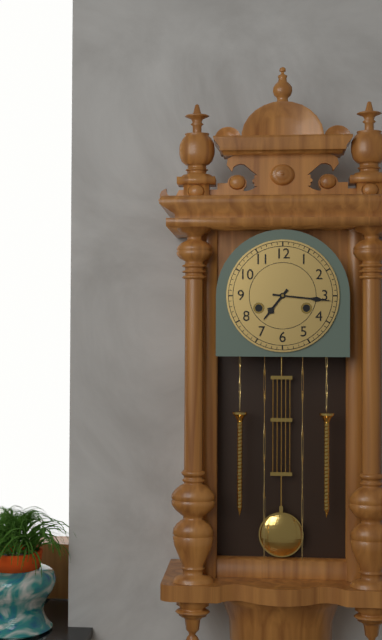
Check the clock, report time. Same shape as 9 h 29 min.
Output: 7 h 16 min
